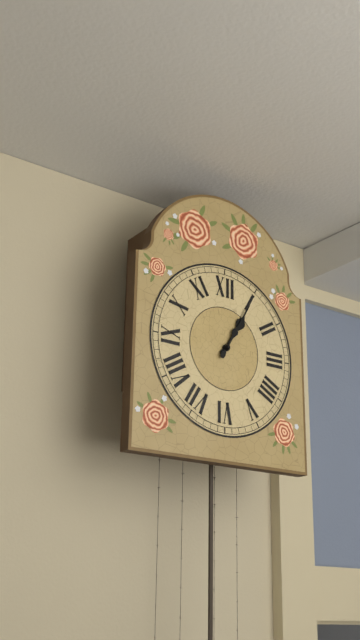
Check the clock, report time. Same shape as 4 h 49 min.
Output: 1 h 05 min
